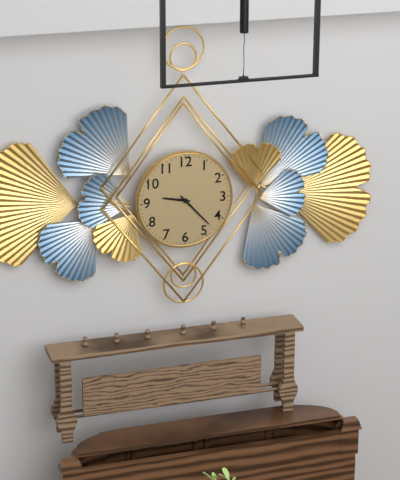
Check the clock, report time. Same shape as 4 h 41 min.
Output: 9 h 23 min
